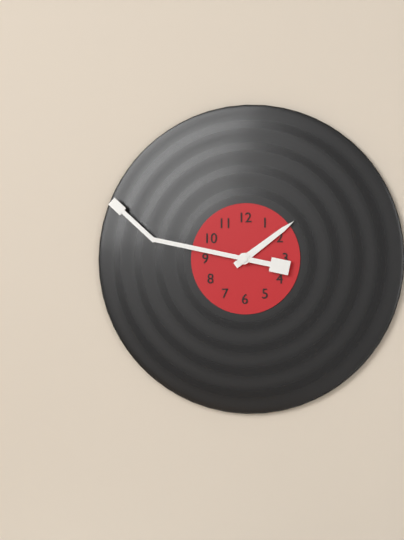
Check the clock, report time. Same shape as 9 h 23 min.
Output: 1 h 47 min
